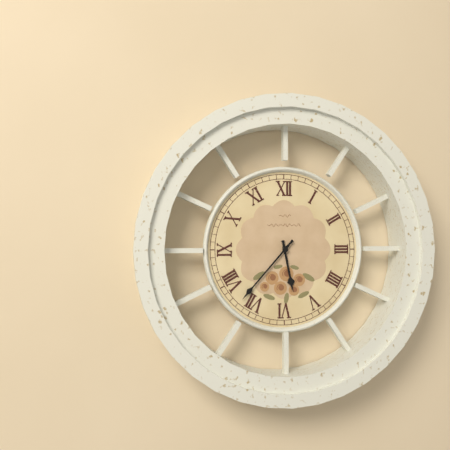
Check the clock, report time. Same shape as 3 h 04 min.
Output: 5 h 37 min
